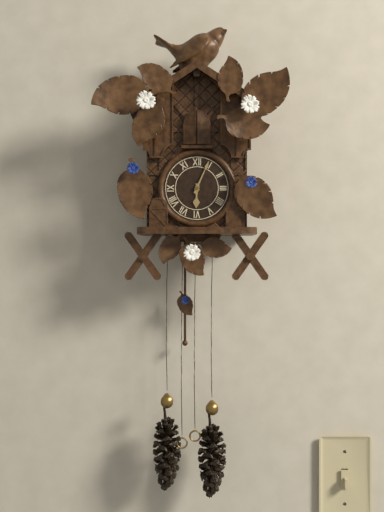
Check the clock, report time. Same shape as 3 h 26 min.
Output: 6 h 04 min
